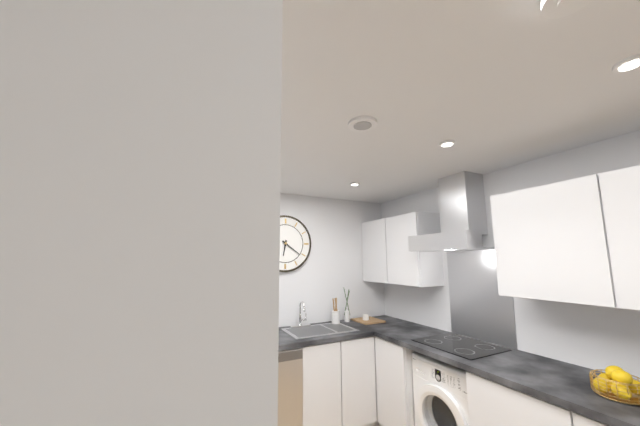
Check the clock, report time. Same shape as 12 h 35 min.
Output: 6 h 21 min
